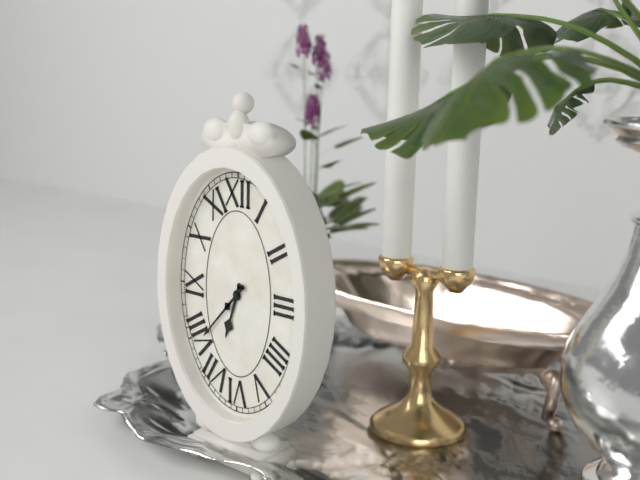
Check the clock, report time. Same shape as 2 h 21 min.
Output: 6 h 37 min
